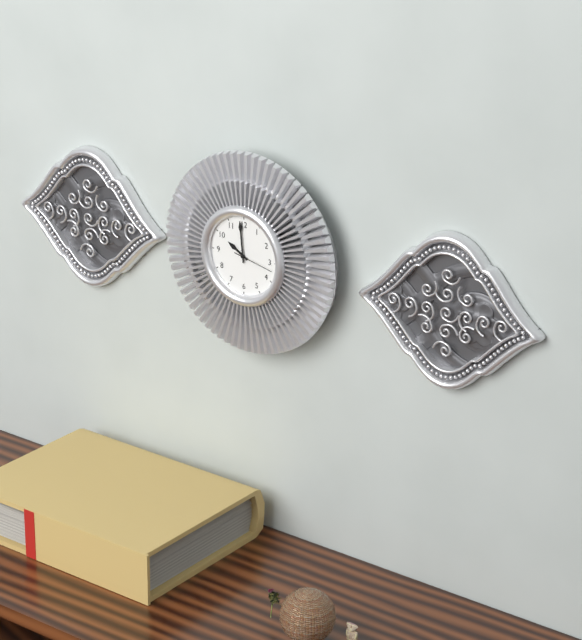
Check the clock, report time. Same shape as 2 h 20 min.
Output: 9 h 59 min
